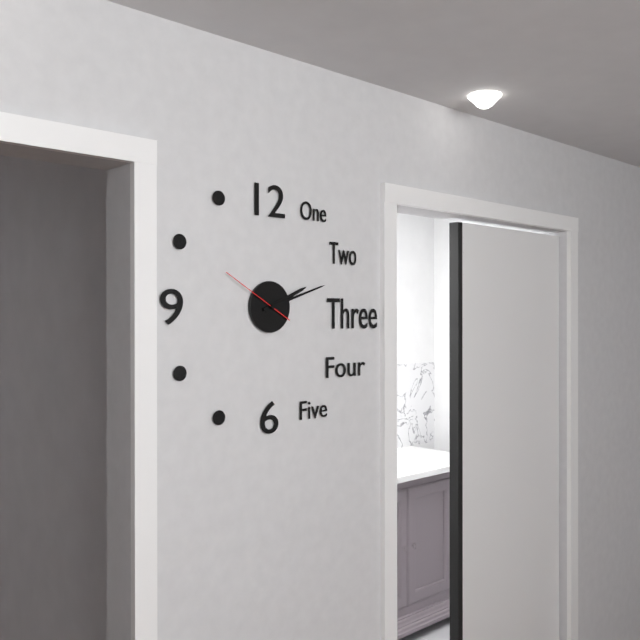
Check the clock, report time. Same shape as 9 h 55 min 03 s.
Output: 2 h 12 min 50 s
